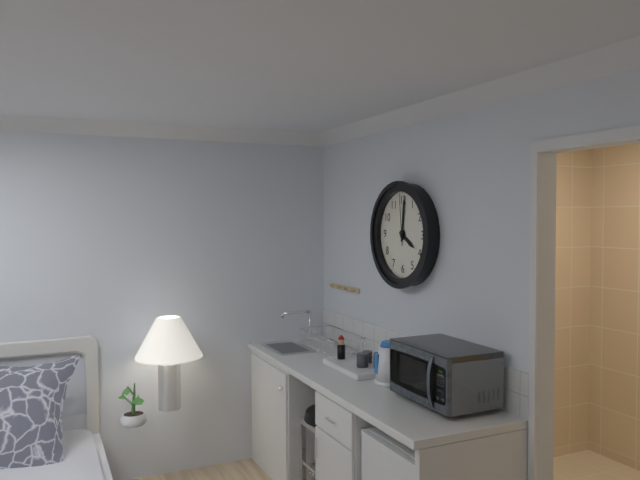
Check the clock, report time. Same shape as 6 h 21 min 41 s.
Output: 4 h 01 min 59 s
